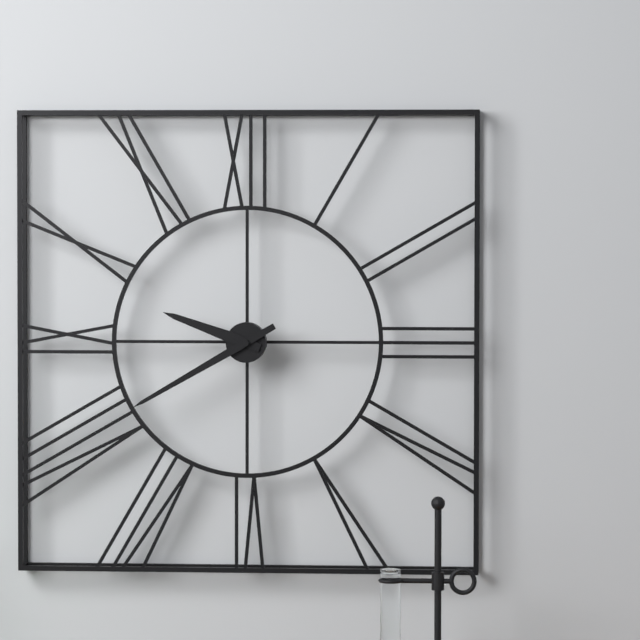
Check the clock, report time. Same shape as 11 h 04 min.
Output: 9 h 40 min
